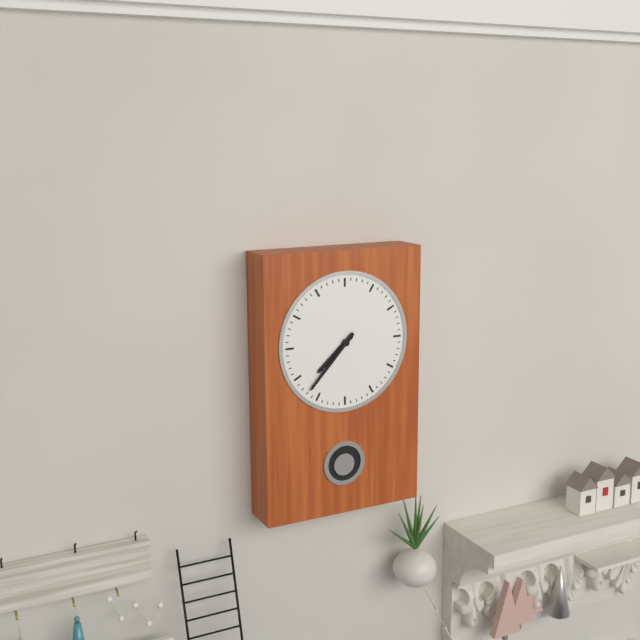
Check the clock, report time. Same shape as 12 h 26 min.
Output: 7 h 37 min
